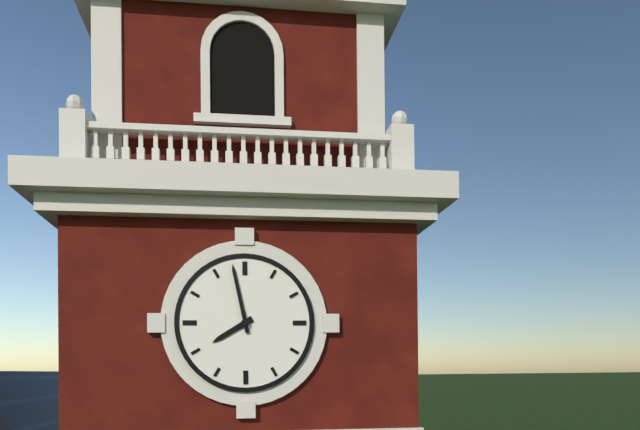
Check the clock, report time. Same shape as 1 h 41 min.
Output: 7 h 58 min
